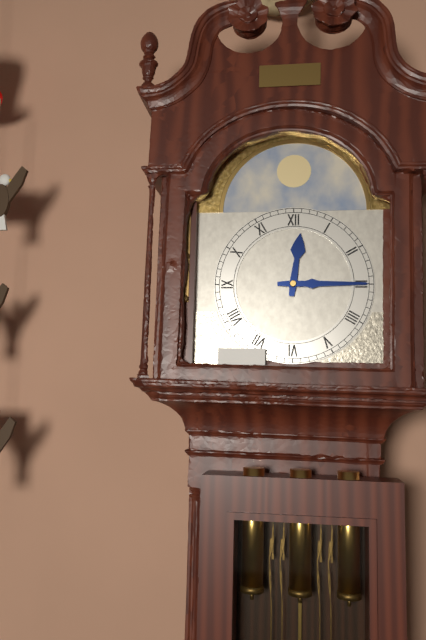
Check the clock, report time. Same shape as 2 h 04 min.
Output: 12 h 15 min
